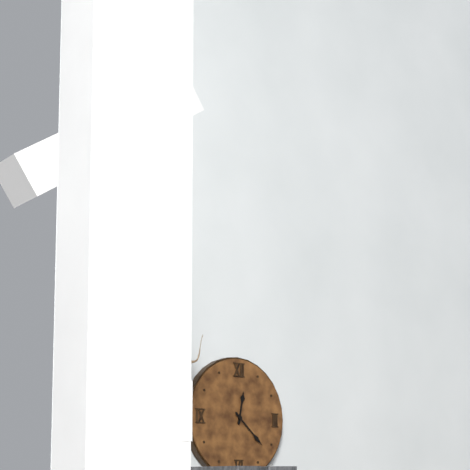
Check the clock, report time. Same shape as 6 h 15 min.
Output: 12 h 22 min
